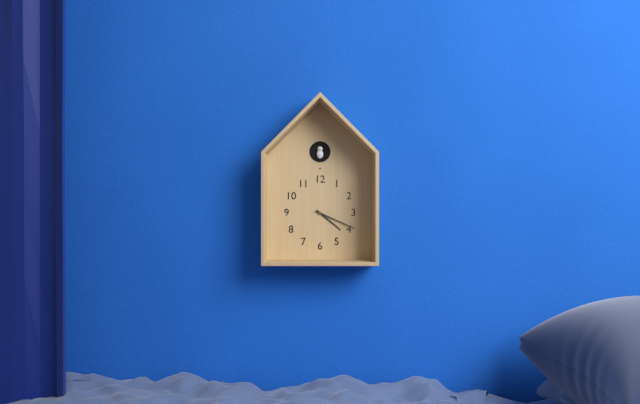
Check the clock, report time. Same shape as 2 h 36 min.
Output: 4 h 19 min
